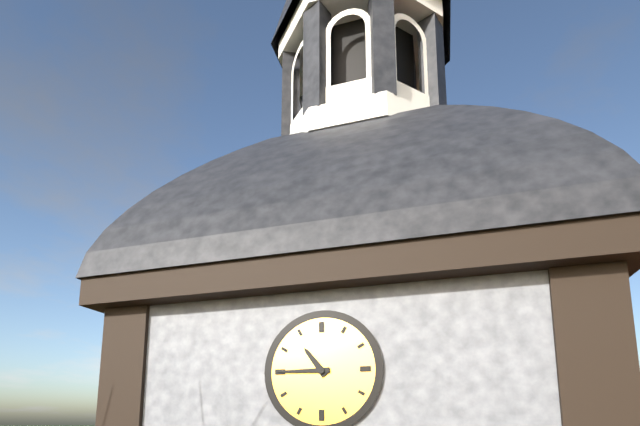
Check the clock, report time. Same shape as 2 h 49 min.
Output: 10 h 45 min
